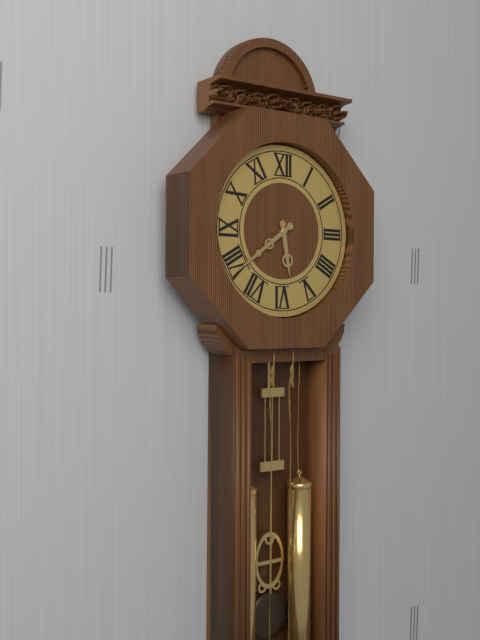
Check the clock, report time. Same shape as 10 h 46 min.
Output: 5 h 39 min
